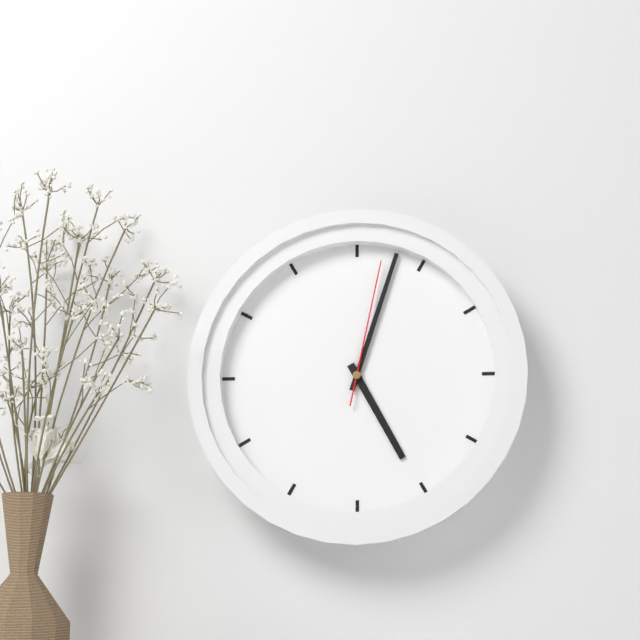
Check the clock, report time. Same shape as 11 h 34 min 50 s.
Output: 5 h 03 min 02 s
